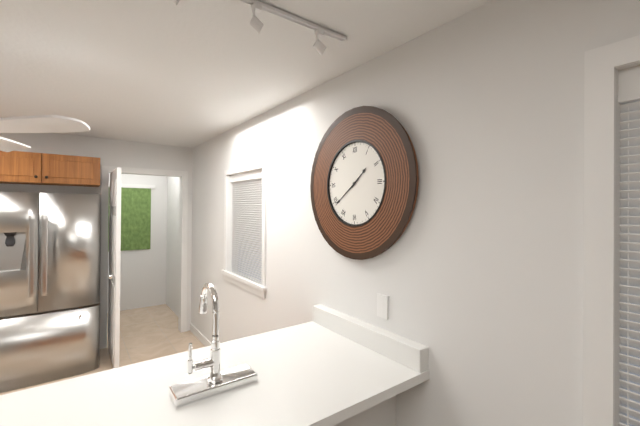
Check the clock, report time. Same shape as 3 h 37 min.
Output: 1 h 39 min
